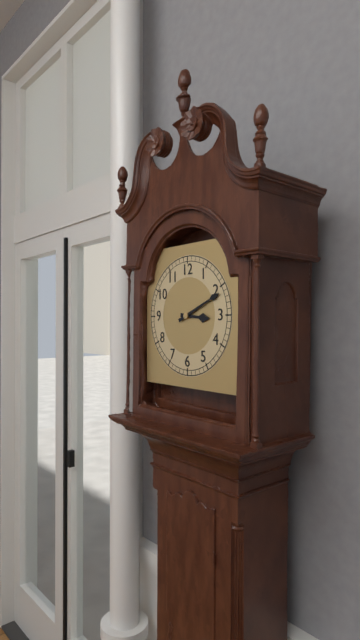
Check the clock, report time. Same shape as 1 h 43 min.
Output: 3 h 11 min
